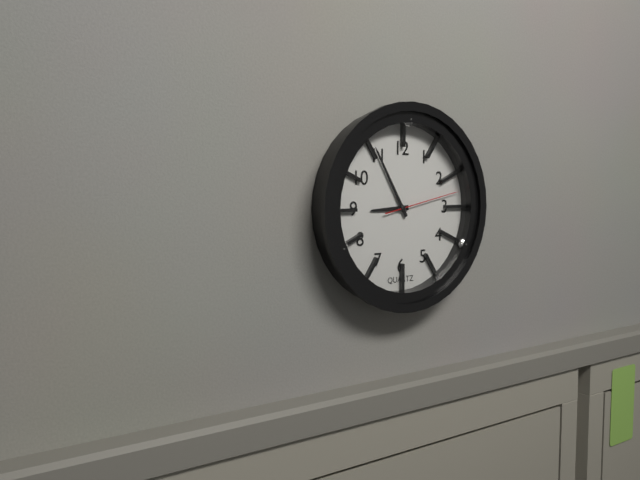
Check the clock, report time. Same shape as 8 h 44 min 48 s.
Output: 8 h 55 min 13 s
